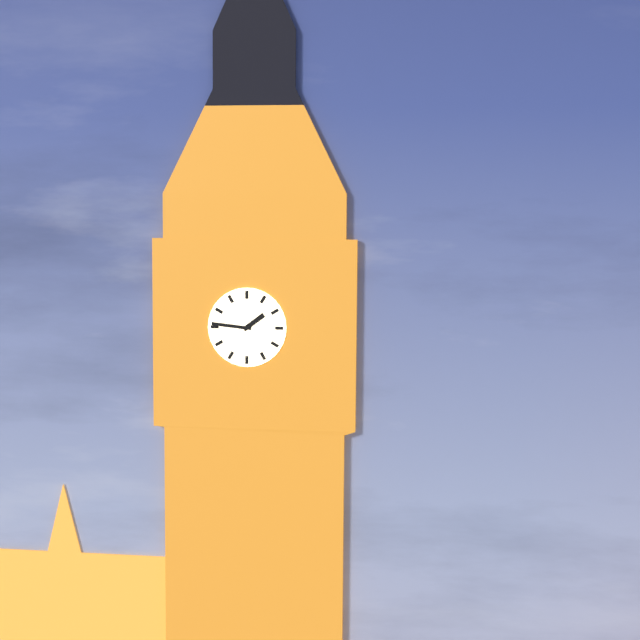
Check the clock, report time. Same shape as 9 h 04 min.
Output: 1 h 46 min
